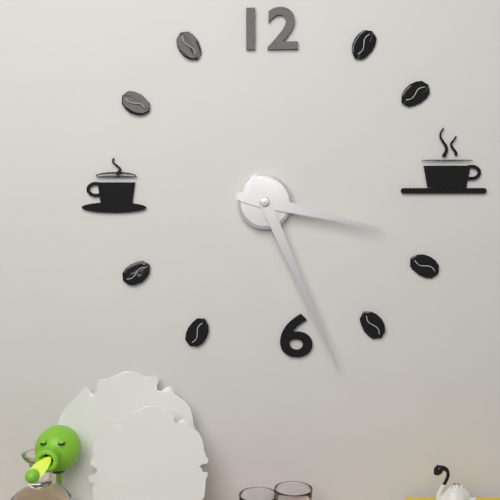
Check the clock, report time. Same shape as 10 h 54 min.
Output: 3 h 26 min
